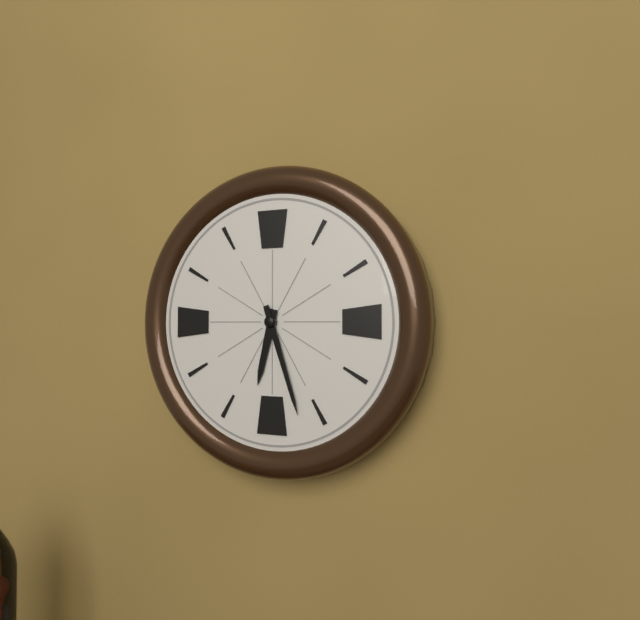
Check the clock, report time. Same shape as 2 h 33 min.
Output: 6 h 27 min
